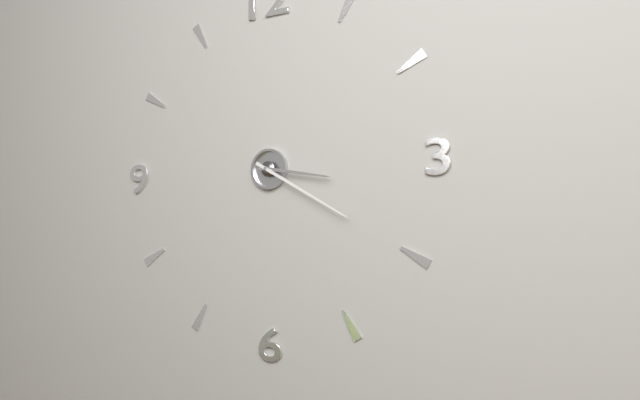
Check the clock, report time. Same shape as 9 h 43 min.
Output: 3 h 20 min
